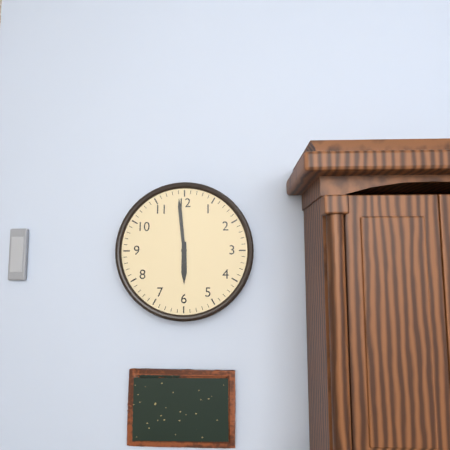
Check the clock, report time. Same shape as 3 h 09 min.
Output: 5 h 59 min
